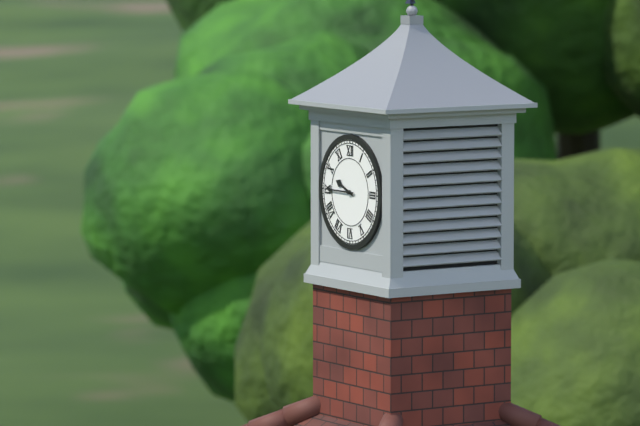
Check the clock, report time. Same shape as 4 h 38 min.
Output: 9 h 45 min
